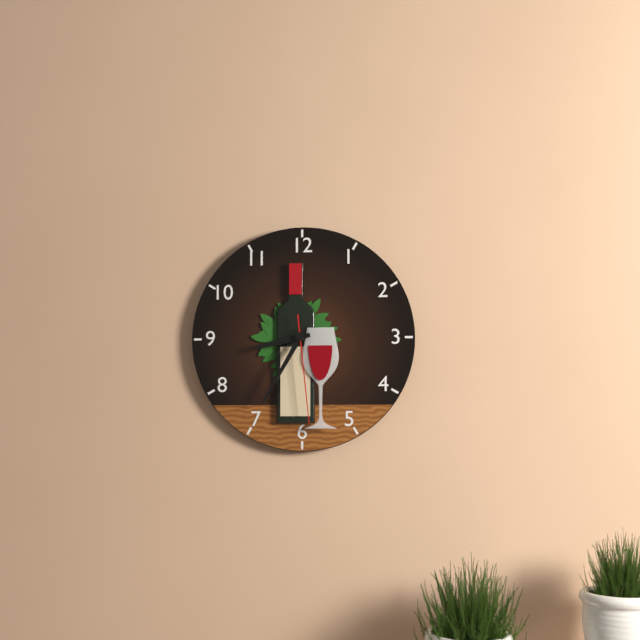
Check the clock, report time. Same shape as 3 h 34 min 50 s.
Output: 8 h 35 min 29 s
